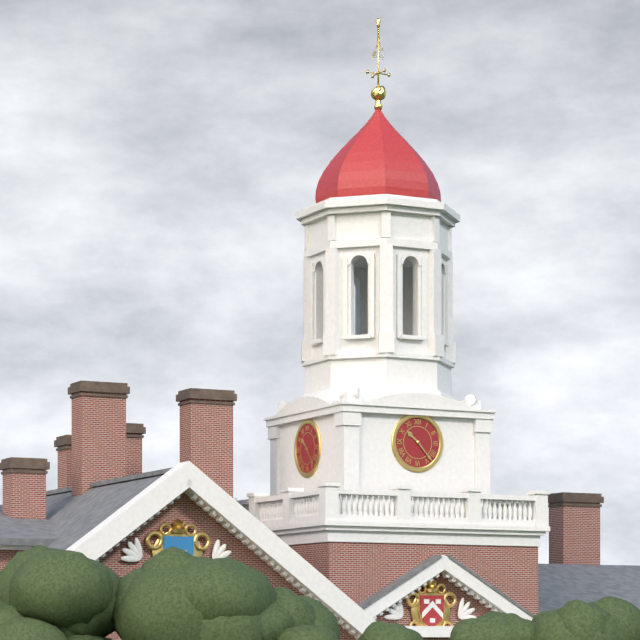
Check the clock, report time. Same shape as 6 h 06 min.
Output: 10 h 23 min
